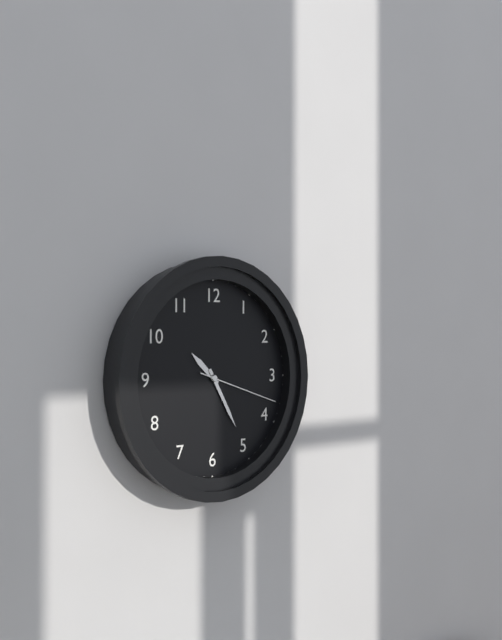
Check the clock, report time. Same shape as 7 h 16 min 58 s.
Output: 10 h 25 min 18 s
